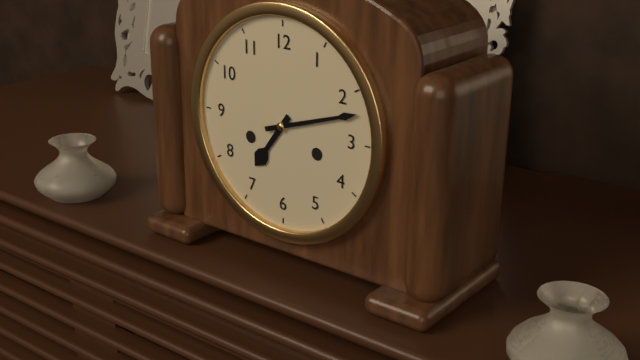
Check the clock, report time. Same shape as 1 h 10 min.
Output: 7 h 12 min
